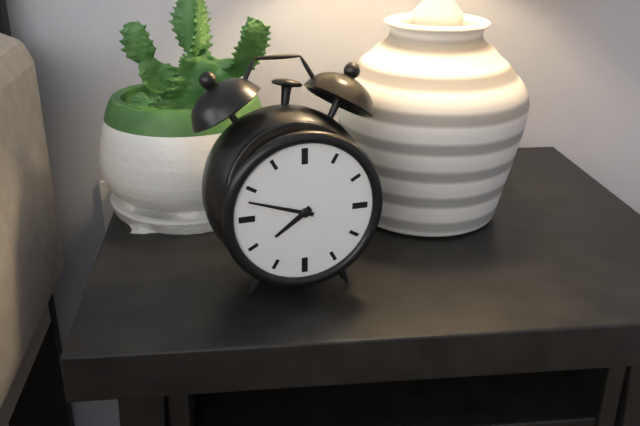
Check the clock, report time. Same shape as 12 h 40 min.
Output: 7 h 48 min
